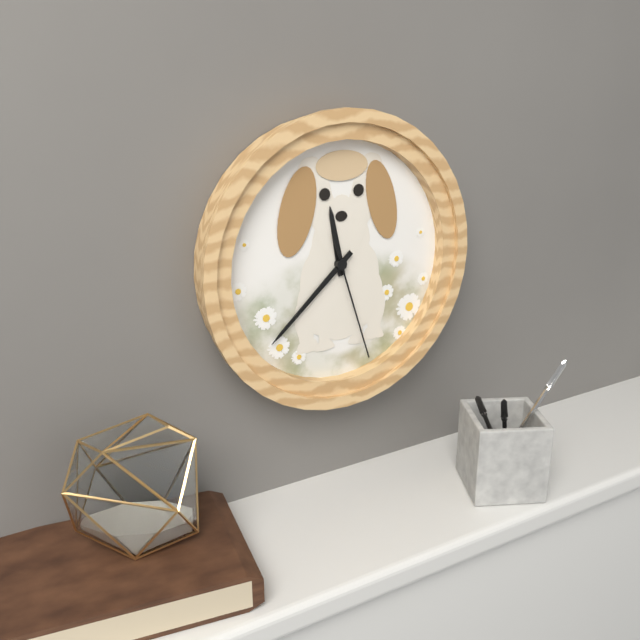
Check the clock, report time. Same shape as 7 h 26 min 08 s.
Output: 11 h 38 min 27 s
